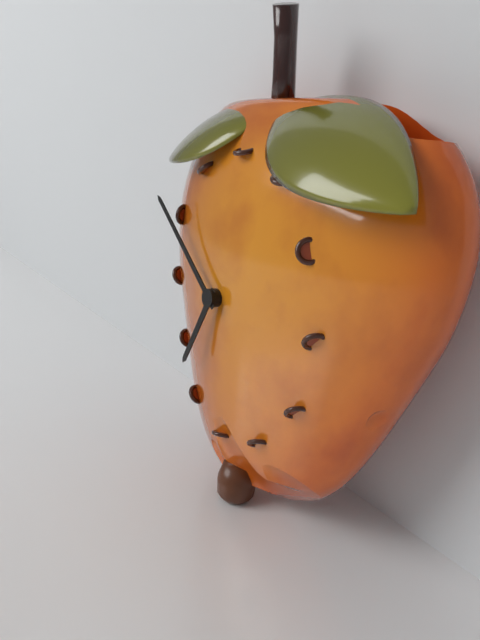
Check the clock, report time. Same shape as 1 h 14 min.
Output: 6 h 51 min
